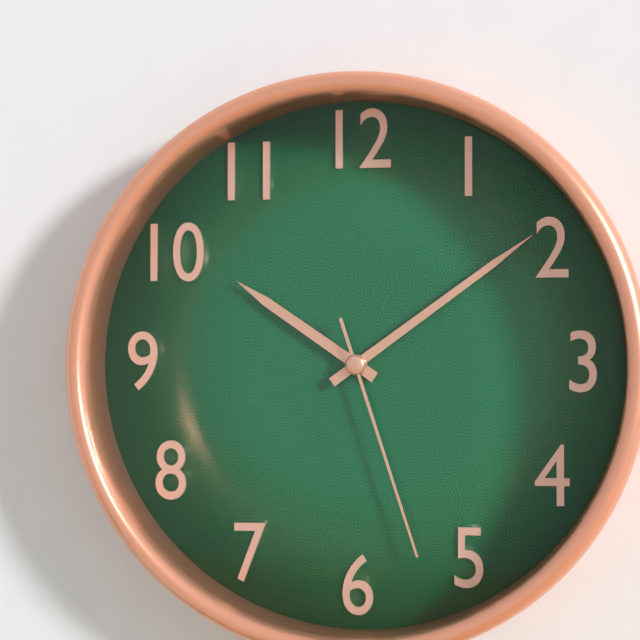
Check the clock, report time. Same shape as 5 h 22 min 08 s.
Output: 10 h 09 min 27 s
